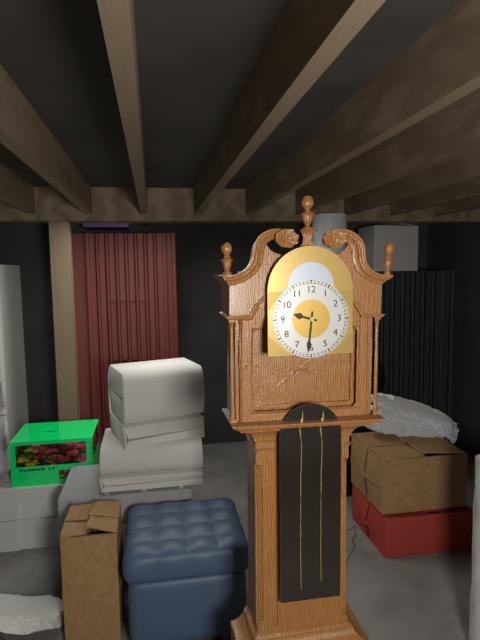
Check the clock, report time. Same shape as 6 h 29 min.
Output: 9 h 31 min
